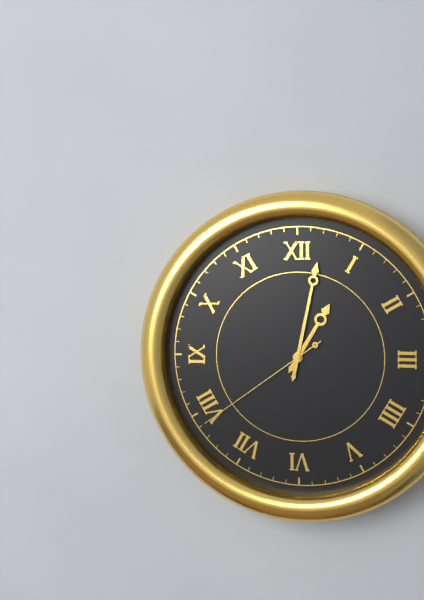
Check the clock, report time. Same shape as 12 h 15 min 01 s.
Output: 1 h 02 min 39 s
